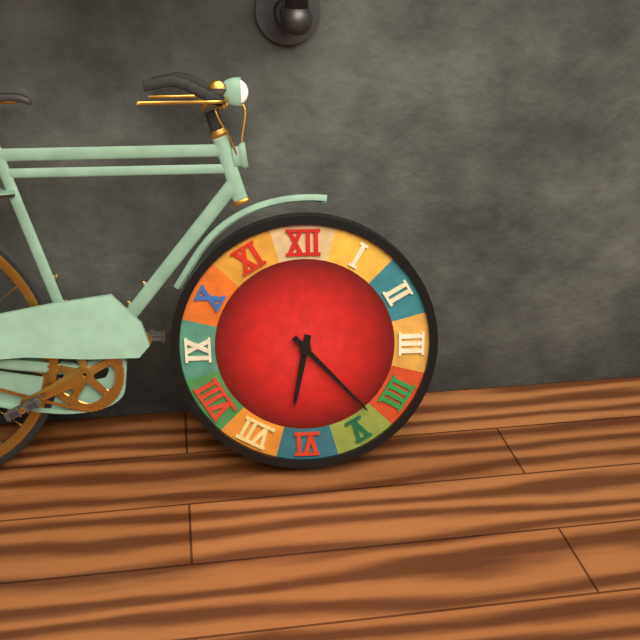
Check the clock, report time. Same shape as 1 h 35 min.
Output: 6 h 23 min
